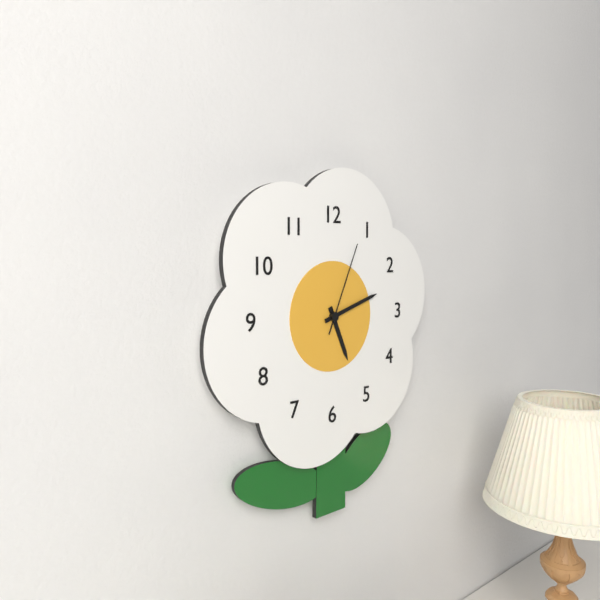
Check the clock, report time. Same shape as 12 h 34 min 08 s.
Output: 5 h 12 min 04 s
